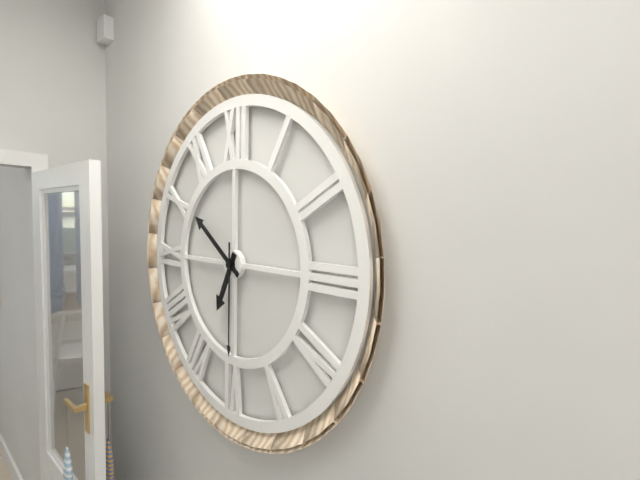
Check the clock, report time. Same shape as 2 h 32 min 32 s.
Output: 6 h 51 min 30 s
